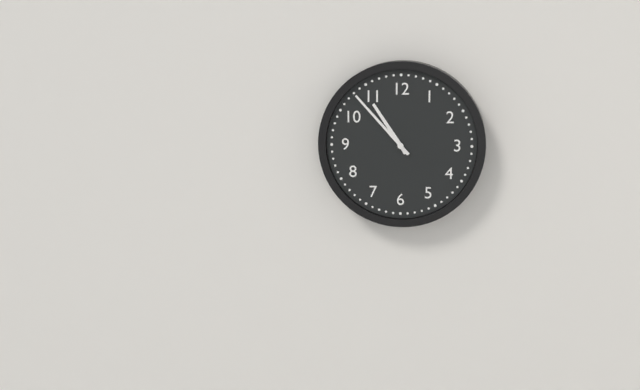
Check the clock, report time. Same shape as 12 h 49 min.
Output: 10 h 53 min
